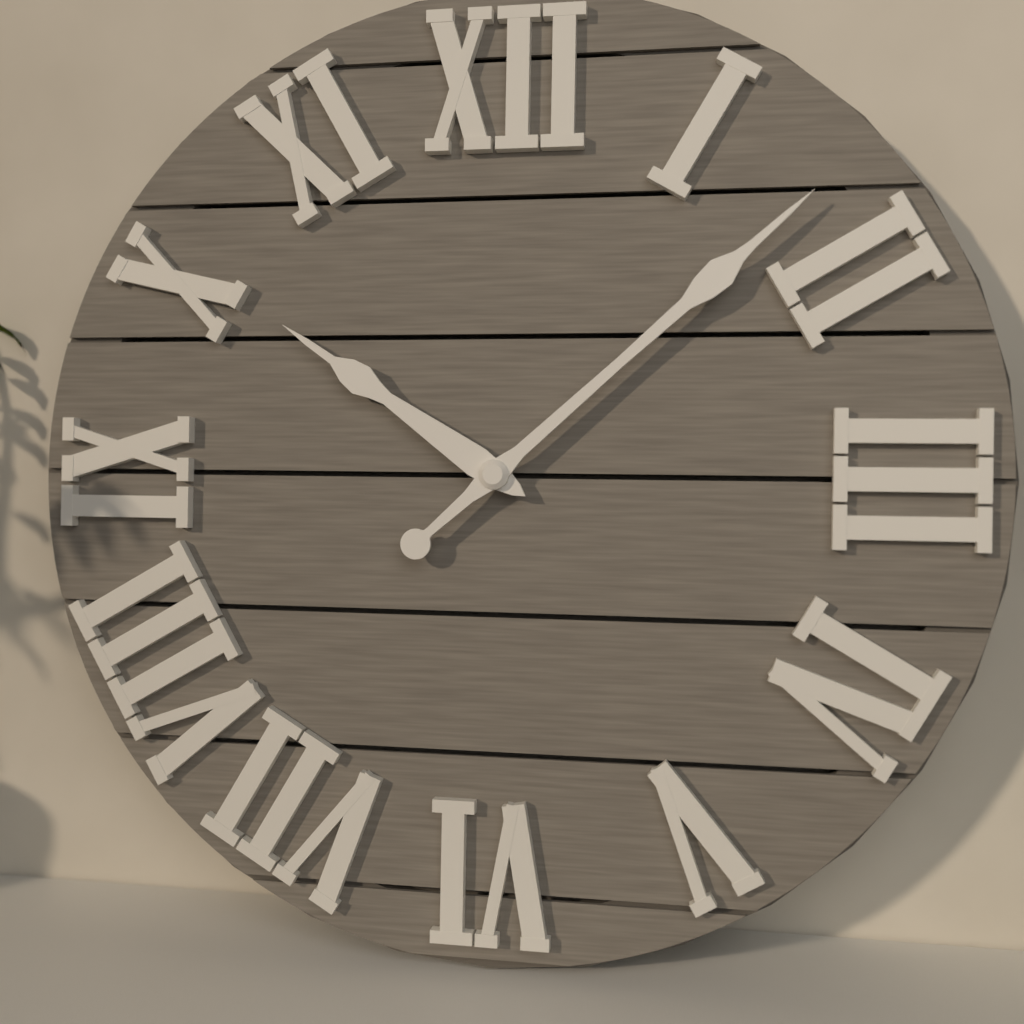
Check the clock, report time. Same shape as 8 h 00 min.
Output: 10 h 08 min
